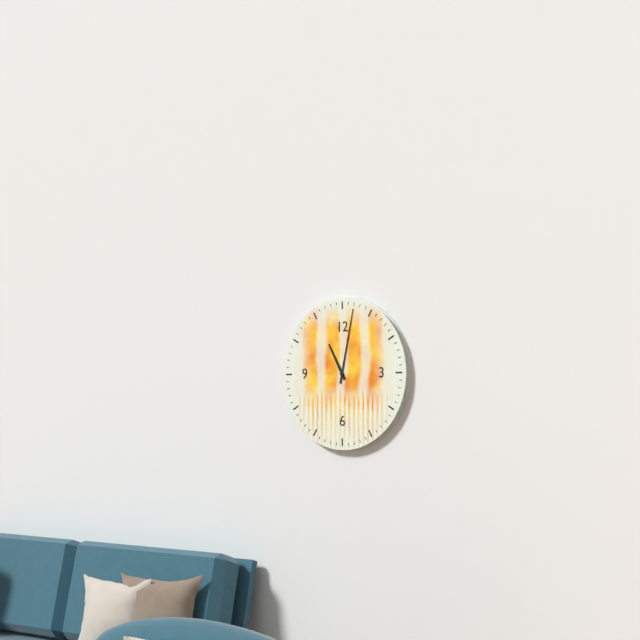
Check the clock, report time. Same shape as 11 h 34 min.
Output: 11 h 02 min
